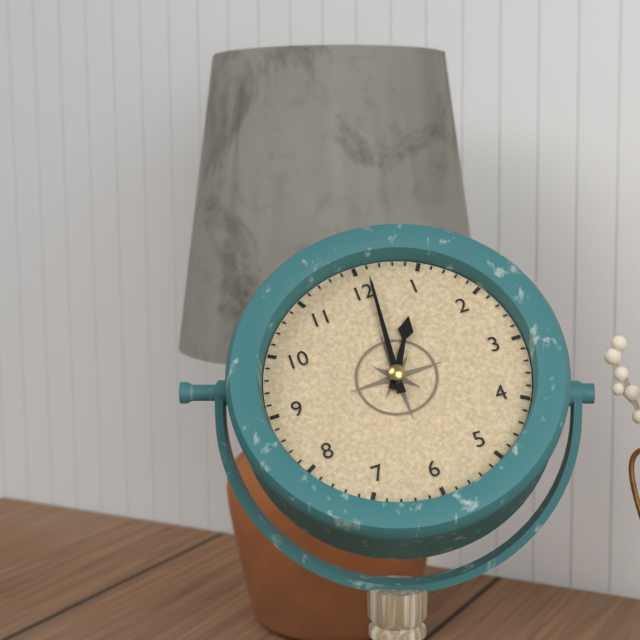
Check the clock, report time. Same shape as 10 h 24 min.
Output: 1 h 01 min
